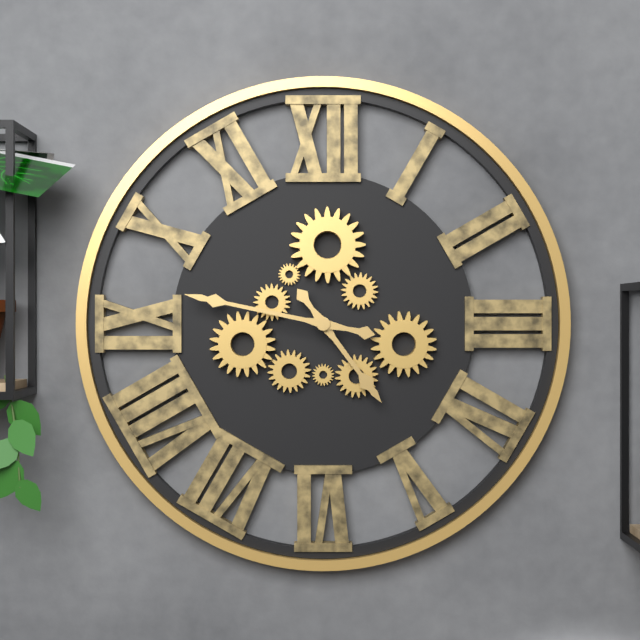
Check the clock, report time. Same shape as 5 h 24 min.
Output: 4 h 47 min
